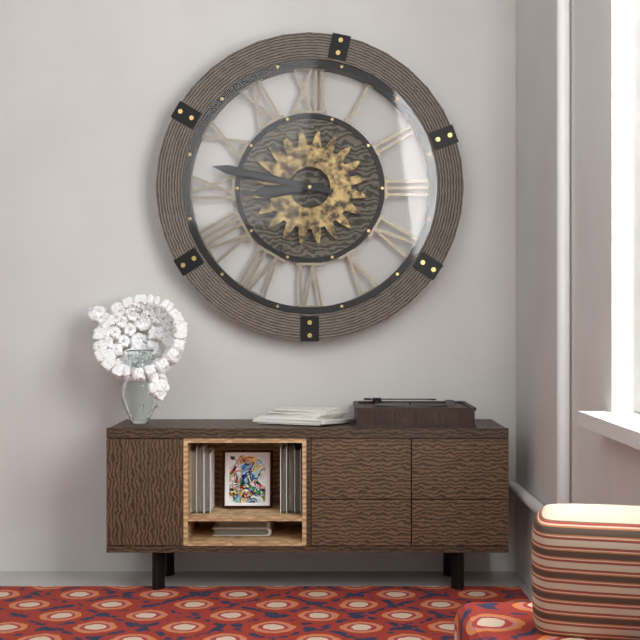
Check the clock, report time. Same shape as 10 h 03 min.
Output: 8 h 47 min
